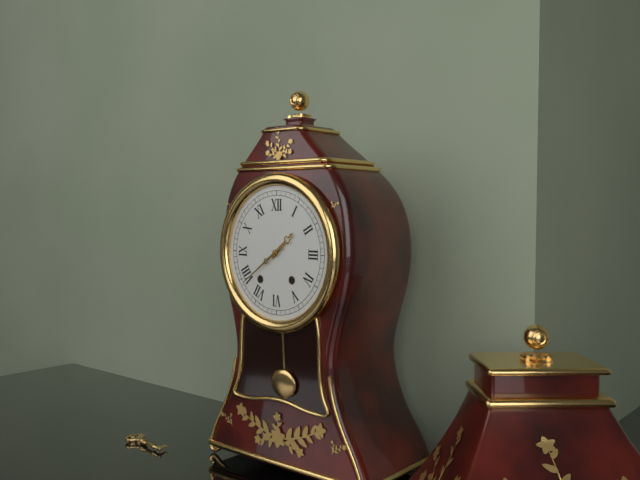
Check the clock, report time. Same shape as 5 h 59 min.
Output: 1 h 39 min
